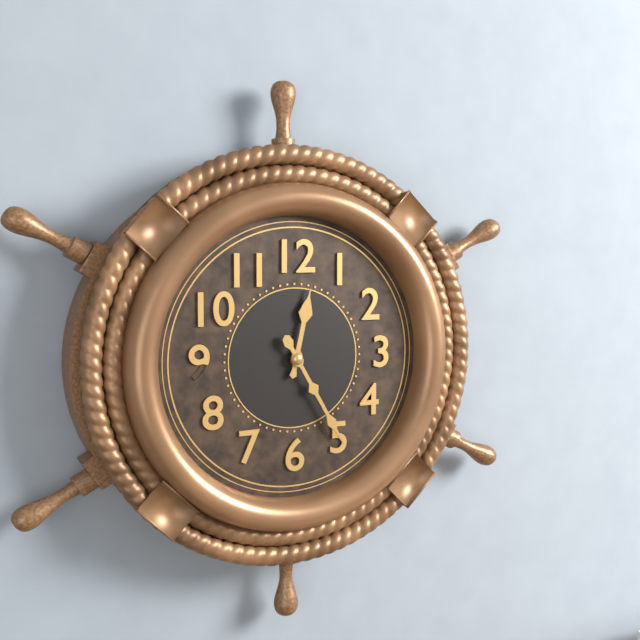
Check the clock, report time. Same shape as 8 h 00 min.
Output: 12 h 25 min
